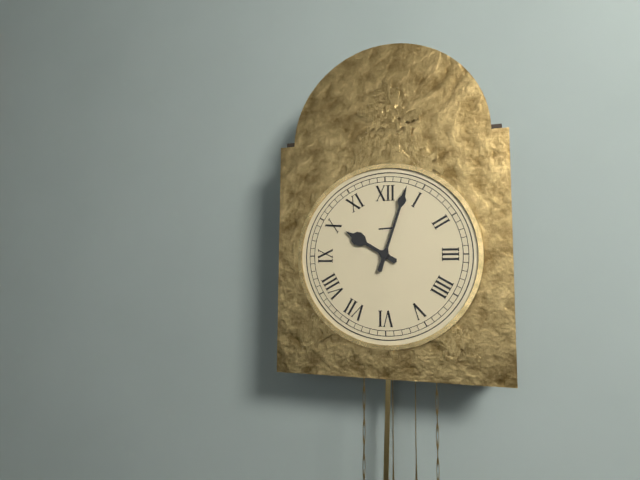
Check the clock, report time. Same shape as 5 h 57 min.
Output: 10 h 03 min
